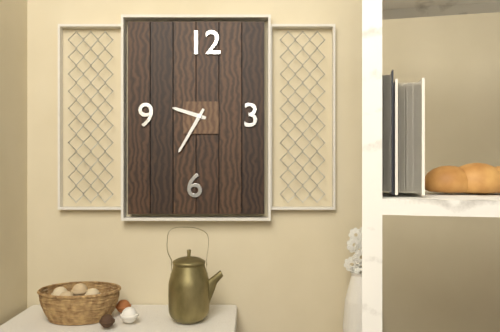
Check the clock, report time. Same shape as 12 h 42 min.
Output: 9 h 35 min
